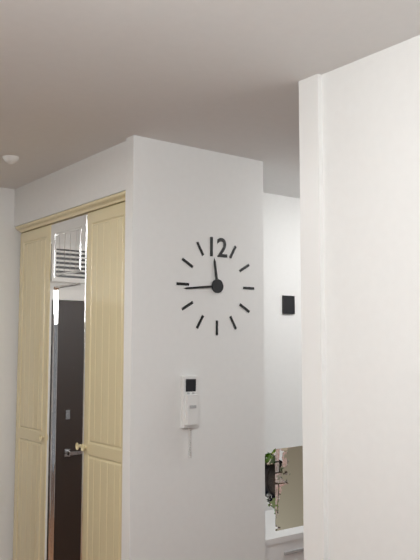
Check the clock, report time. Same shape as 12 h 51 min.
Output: 11 h 44 min
